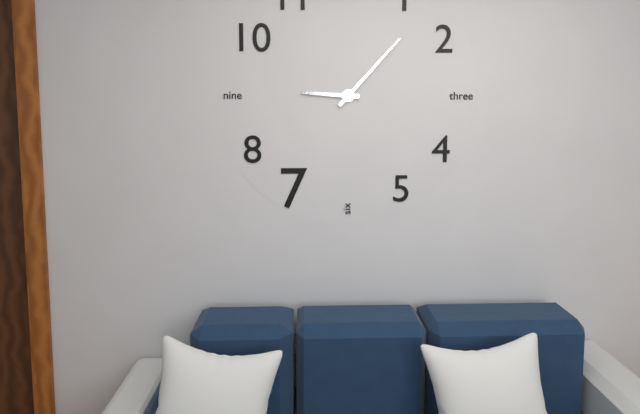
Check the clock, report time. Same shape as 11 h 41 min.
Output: 9 h 07 min
